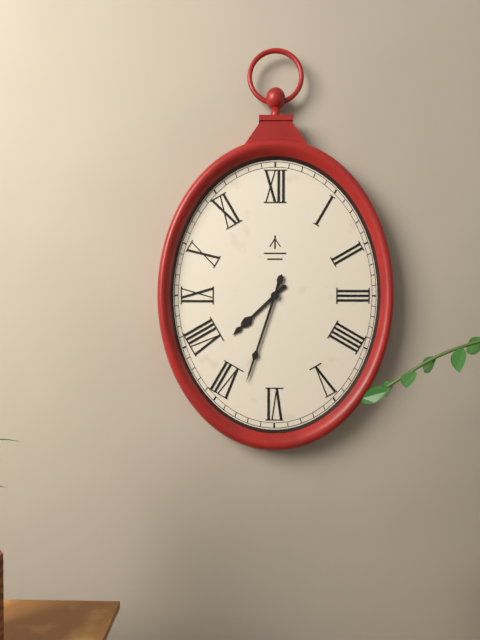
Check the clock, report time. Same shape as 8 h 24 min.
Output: 7 h 33 min
